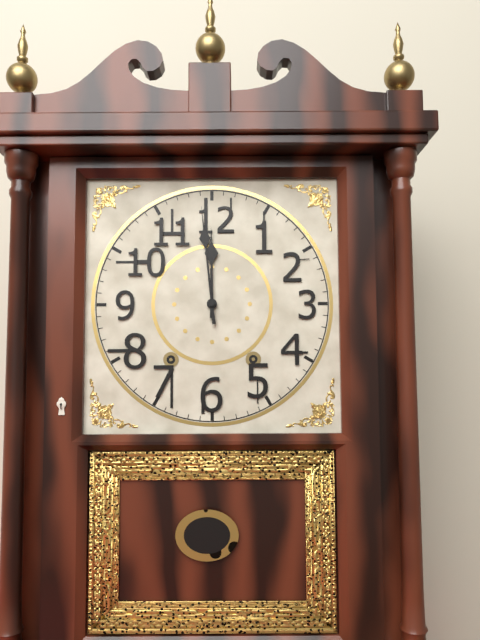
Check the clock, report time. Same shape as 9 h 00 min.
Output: 11 h 59 min
